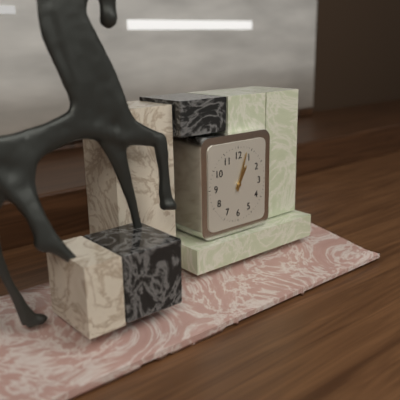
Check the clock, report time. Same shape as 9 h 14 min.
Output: 1 h 03 min
